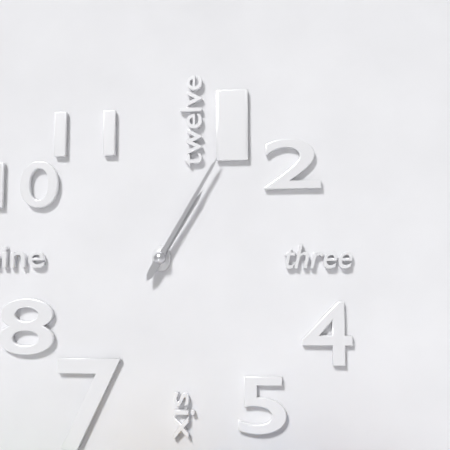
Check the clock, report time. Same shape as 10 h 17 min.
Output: 1 h 05 min
